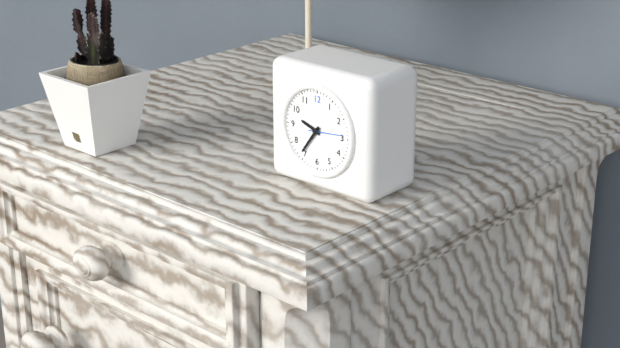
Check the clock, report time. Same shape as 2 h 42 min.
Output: 9 h 36 min
